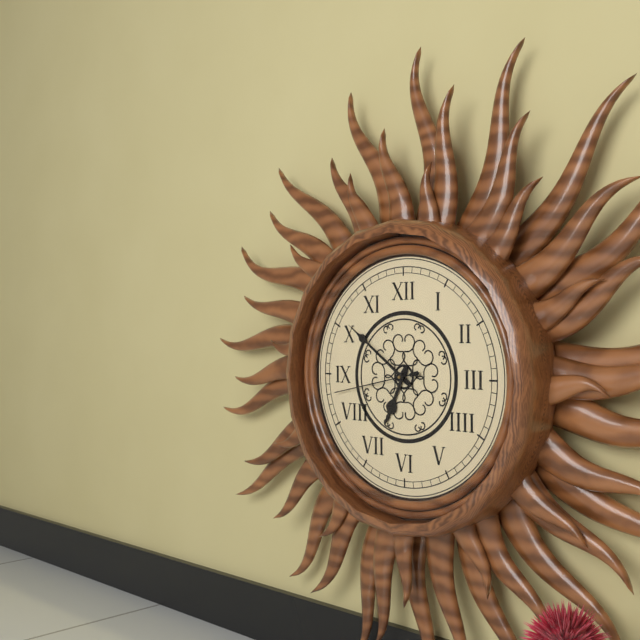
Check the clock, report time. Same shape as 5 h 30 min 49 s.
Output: 6 h 51 min 43 s
